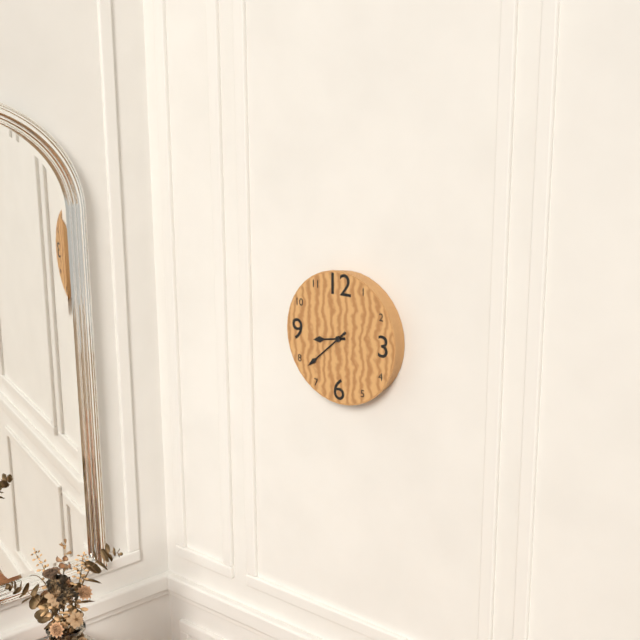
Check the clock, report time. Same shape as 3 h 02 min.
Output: 8 h 38 min
